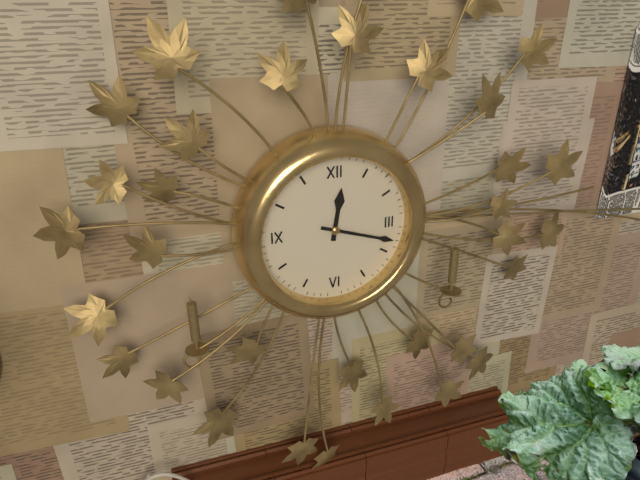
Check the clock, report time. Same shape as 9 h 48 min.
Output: 12 h 18 min
